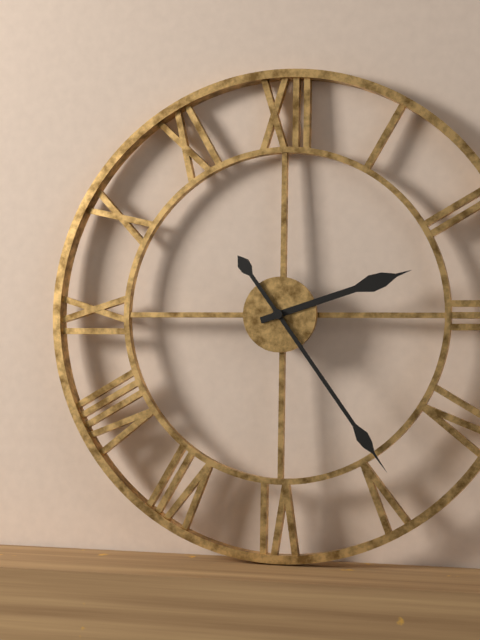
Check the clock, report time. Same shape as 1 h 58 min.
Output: 2 h 24 min
